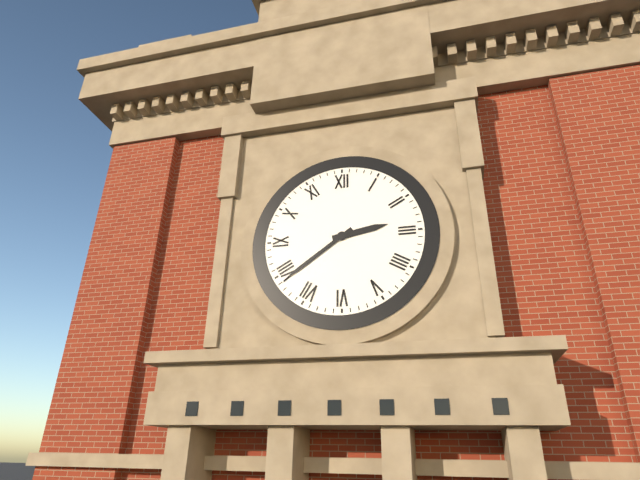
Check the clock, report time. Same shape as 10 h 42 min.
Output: 2 h 39 min
